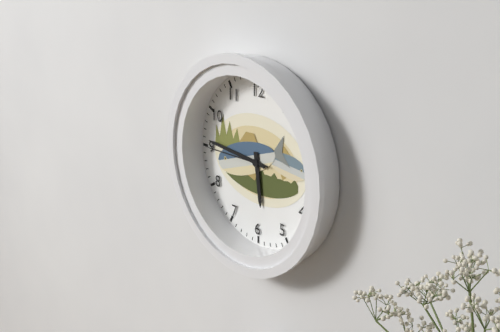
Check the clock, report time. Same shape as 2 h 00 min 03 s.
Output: 5 h 46 min 45 s
